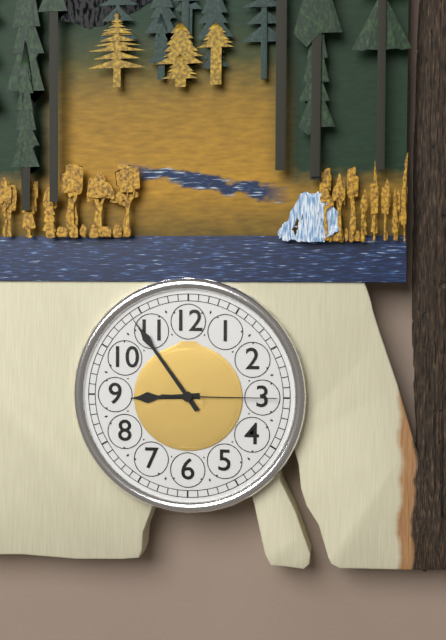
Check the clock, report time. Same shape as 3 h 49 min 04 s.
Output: 8 h 54 min 15 s
